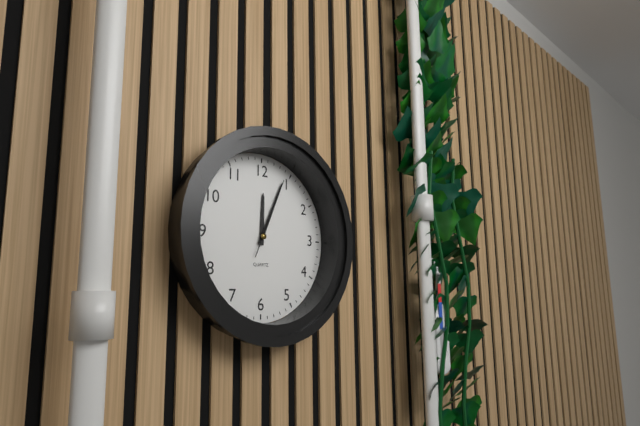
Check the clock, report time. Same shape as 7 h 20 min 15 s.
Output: 12 h 04 min 04 s
